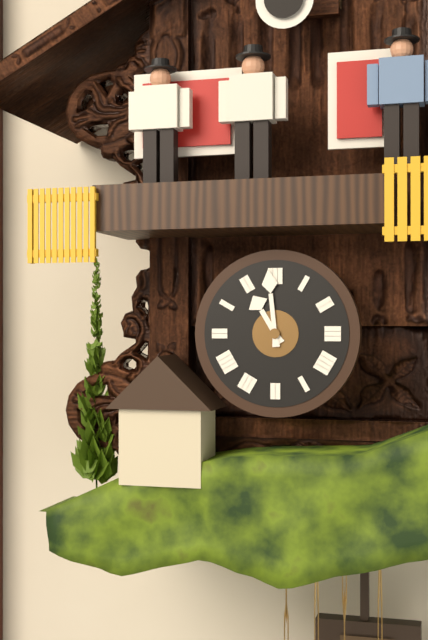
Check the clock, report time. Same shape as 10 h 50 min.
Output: 10 h 59 min
